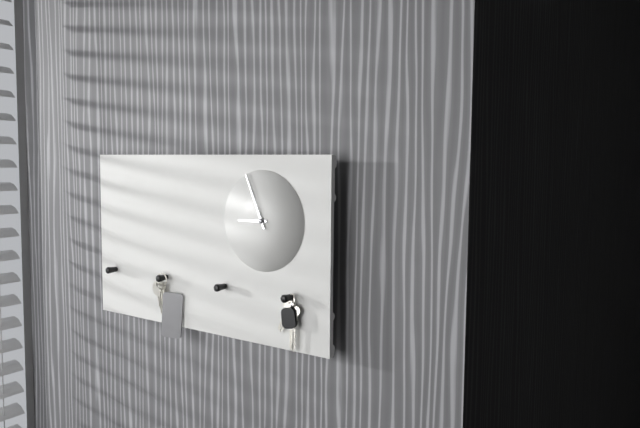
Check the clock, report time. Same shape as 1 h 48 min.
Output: 8 h 56 min
